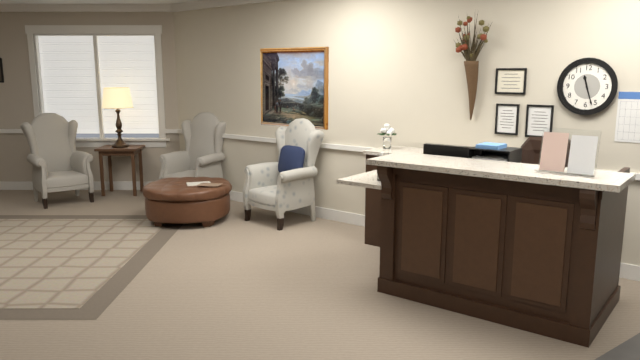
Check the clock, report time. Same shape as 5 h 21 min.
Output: 11 h 27 min
